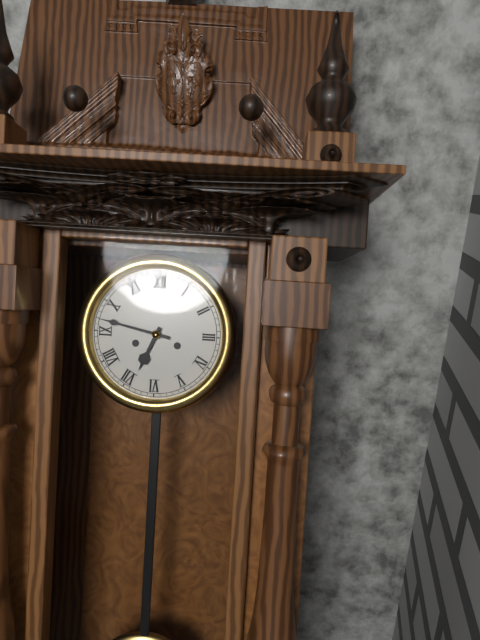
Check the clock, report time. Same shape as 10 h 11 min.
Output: 6 h 47 min
